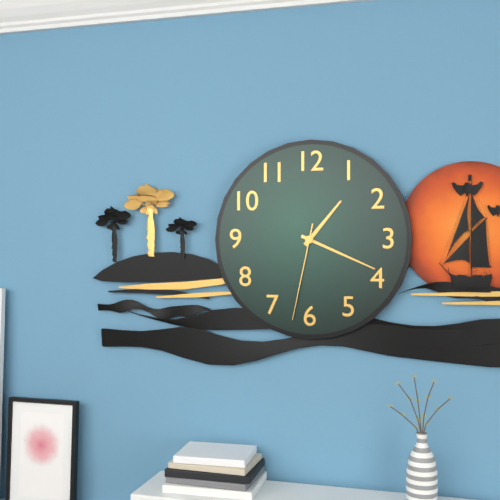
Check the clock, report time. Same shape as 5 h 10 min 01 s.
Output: 1 h 19 min 32 s
